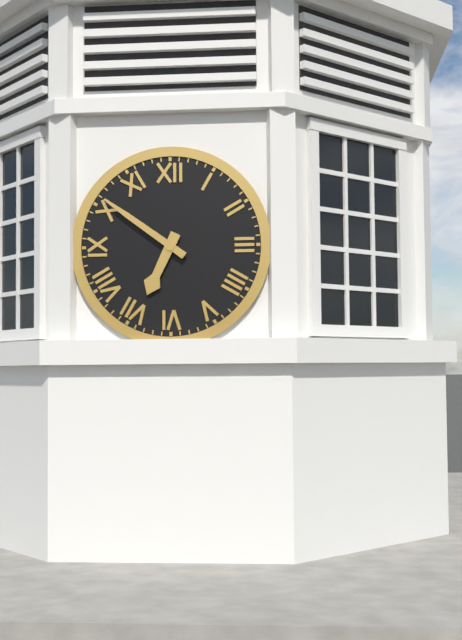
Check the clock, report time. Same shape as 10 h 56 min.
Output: 6 h 51 min
